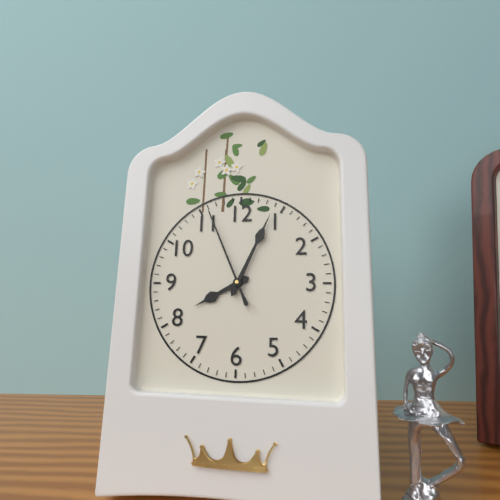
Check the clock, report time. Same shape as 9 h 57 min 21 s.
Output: 8 h 04 min 56 s
